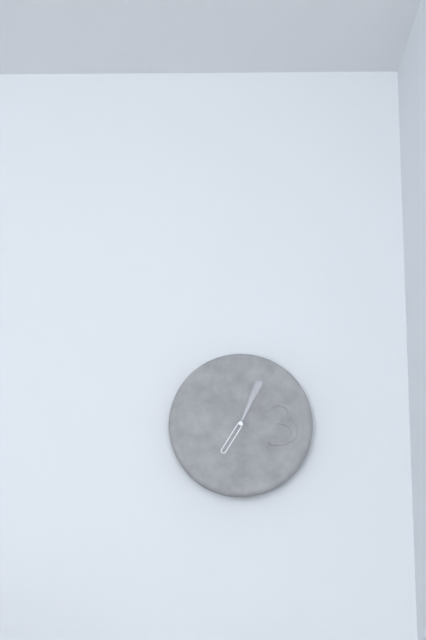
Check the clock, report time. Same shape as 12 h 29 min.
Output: 7 h 04 min
